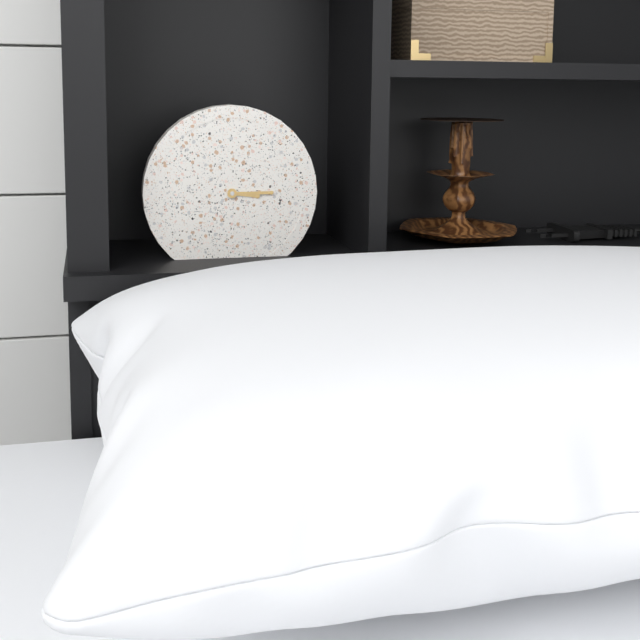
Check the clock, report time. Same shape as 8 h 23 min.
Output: 3 h 15 min
